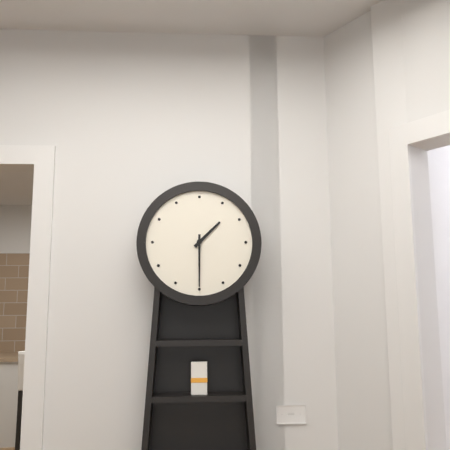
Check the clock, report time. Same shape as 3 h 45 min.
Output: 1 h 30 min
